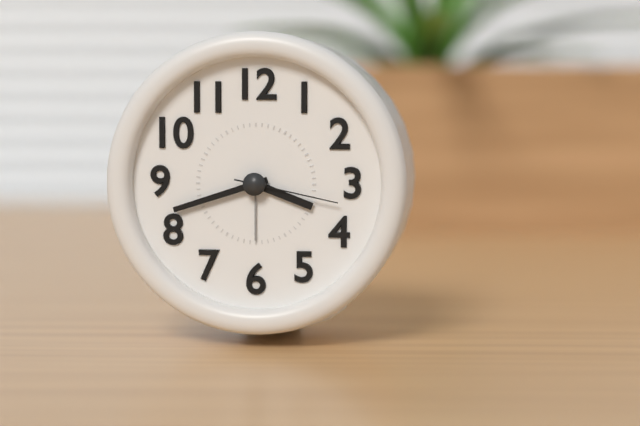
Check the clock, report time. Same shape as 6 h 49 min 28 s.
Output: 3 h 42 min 17 s
